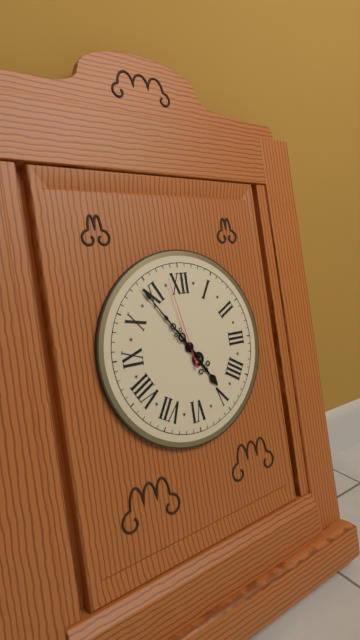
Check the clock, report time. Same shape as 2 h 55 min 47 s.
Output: 4 h 54 min 58 s
